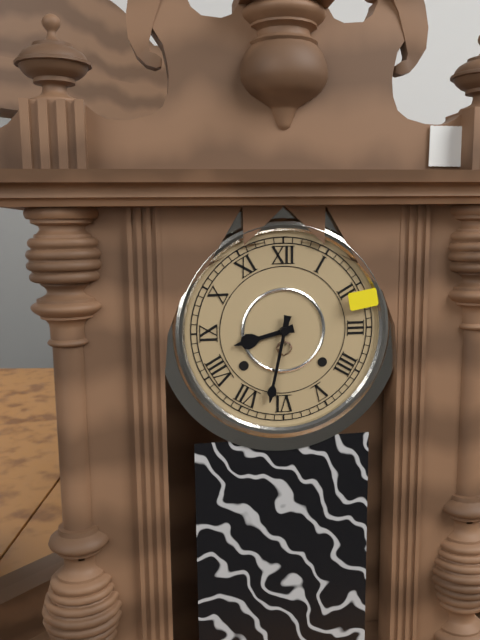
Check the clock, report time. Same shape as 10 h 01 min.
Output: 8 h 32 min
